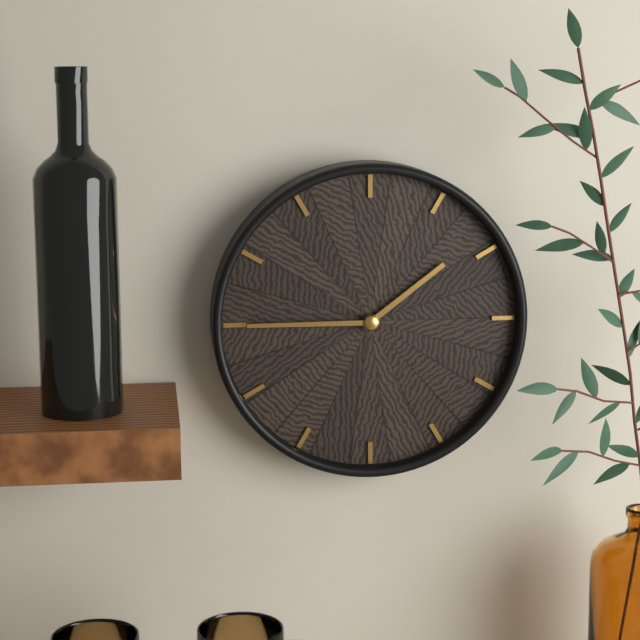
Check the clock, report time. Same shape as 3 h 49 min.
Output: 1 h 45 min
